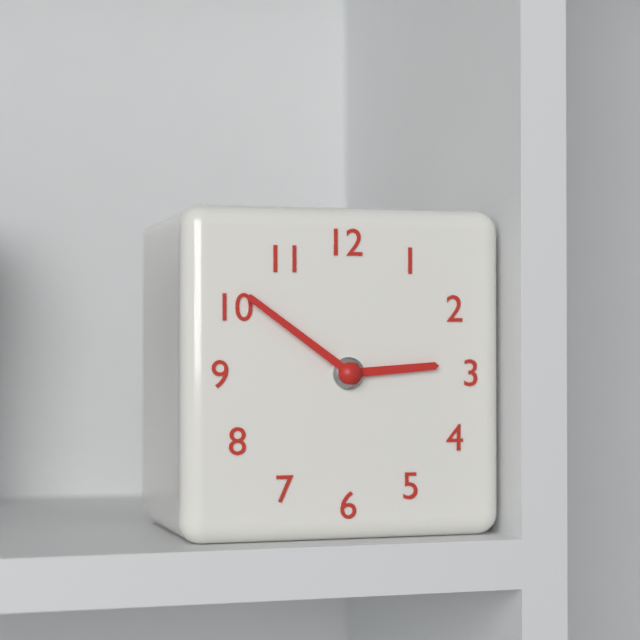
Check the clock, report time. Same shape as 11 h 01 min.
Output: 2 h 51 min
